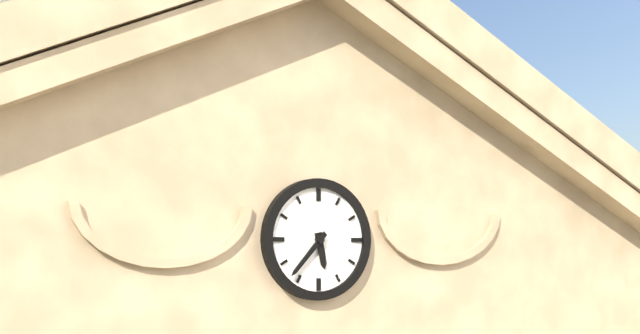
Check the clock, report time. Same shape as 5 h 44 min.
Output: 5 h 37 min
